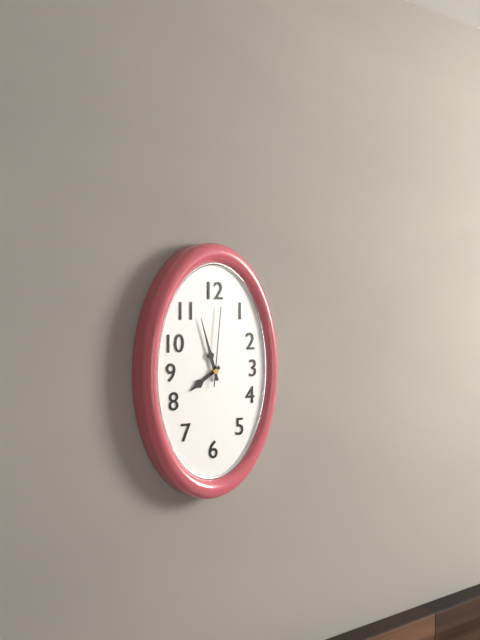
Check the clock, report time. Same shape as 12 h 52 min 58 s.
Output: 7 h 57 min 01 s
